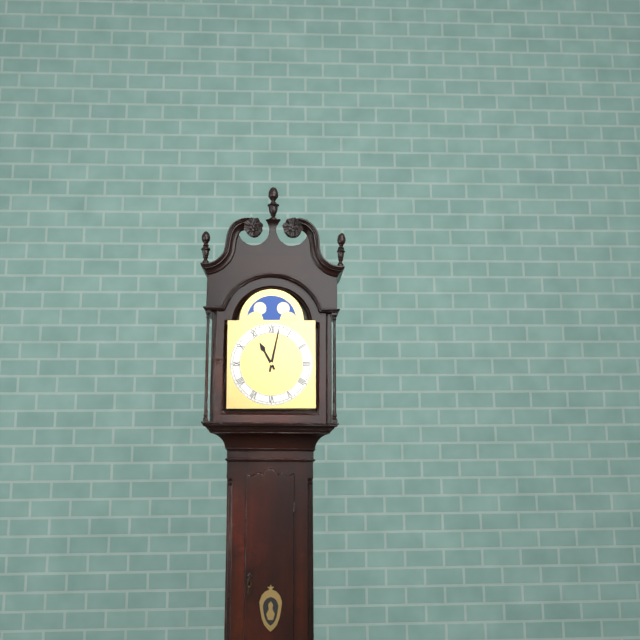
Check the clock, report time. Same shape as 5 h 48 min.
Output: 11 h 02 min
